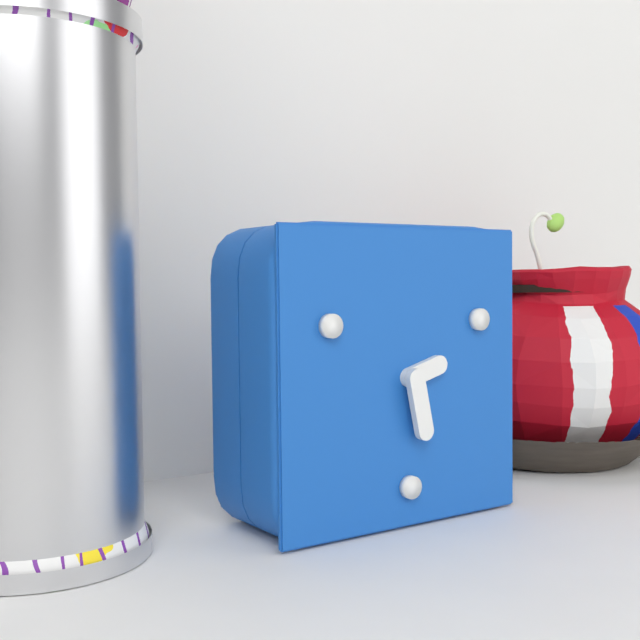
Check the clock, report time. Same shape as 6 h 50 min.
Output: 2 h 28 min
